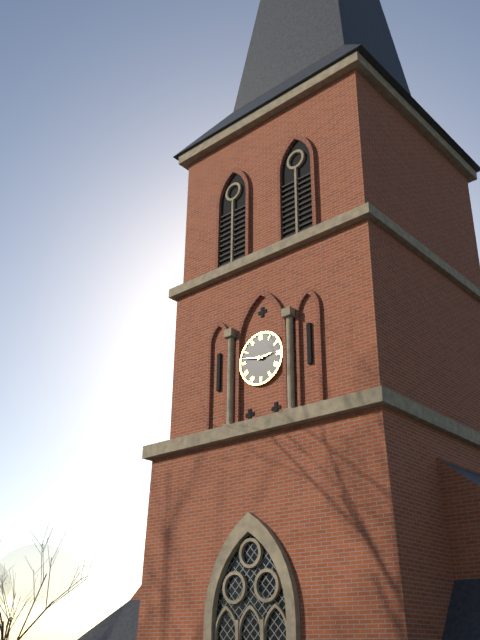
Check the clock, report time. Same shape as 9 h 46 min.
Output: 2 h 47 min
